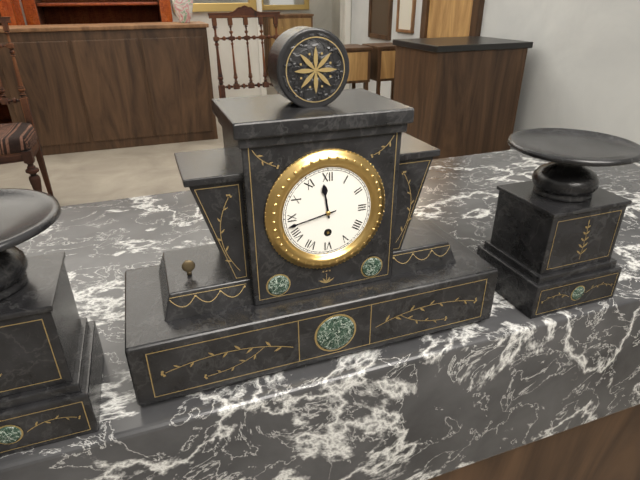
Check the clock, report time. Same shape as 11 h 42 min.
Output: 11 h 43 min
